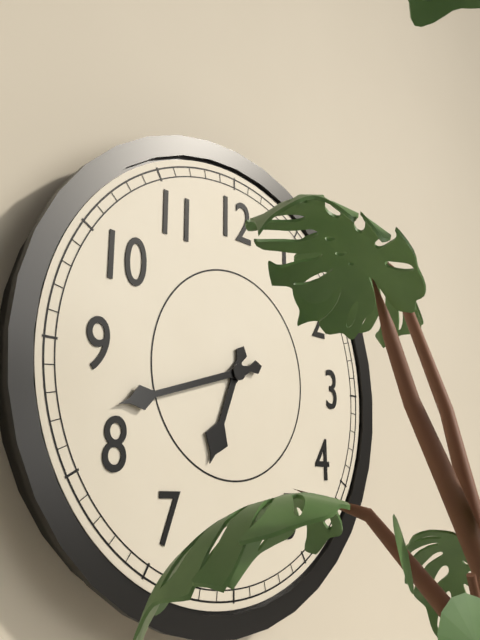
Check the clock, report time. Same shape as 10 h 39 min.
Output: 6 h 42 min
